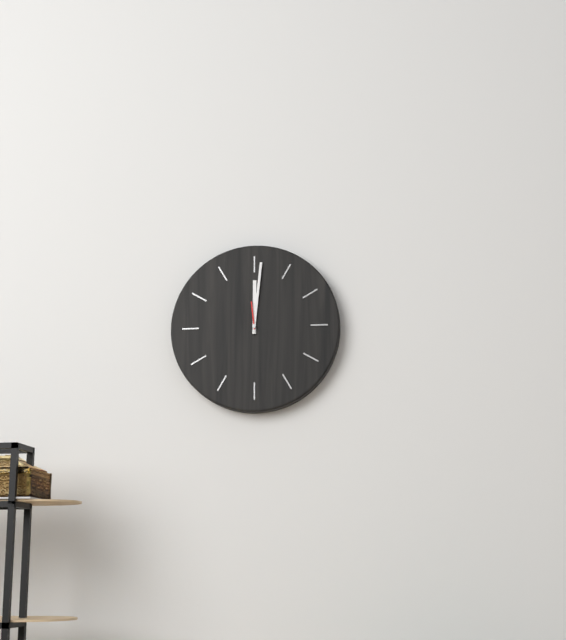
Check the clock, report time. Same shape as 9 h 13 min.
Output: 12 h 01 min
